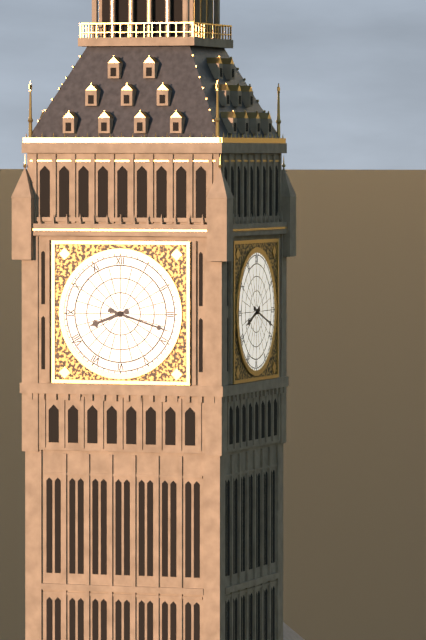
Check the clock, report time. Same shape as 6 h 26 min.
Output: 8 h 18 min
